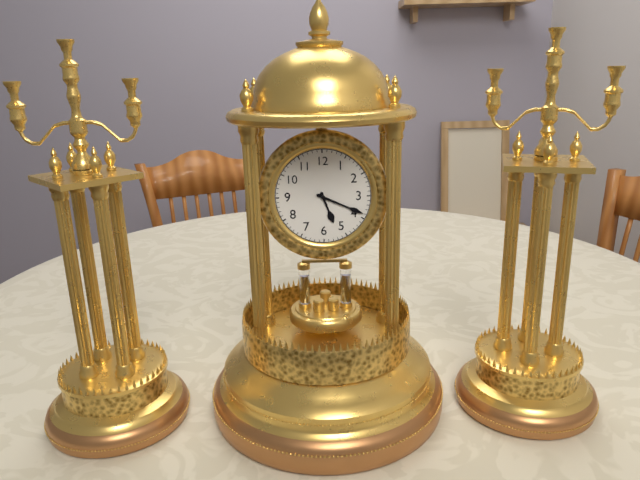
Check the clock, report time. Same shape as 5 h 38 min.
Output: 5 h 19 min
